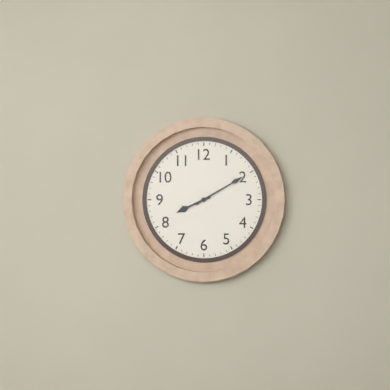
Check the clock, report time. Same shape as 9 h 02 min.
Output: 8 h 10 min
